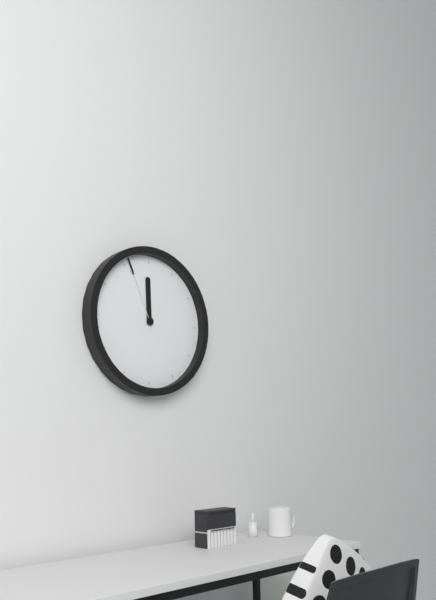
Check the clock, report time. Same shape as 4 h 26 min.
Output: 11 h 56 min
